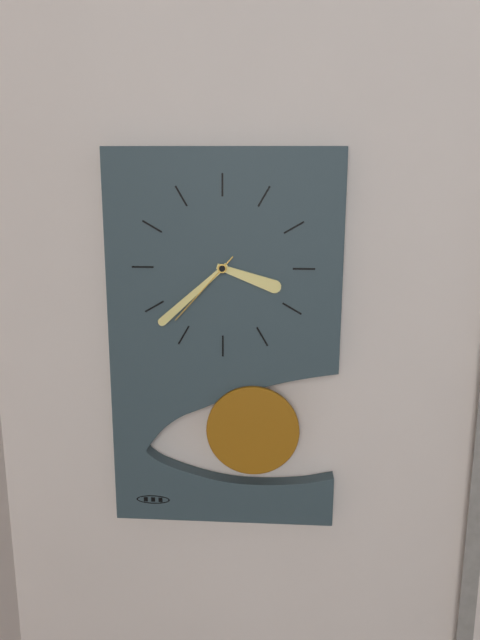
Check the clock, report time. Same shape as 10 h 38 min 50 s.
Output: 3 h 38 min 37 s
